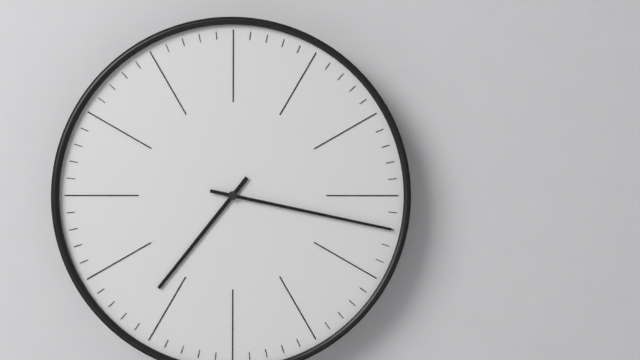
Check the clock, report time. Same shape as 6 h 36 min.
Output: 7 h 17 min
